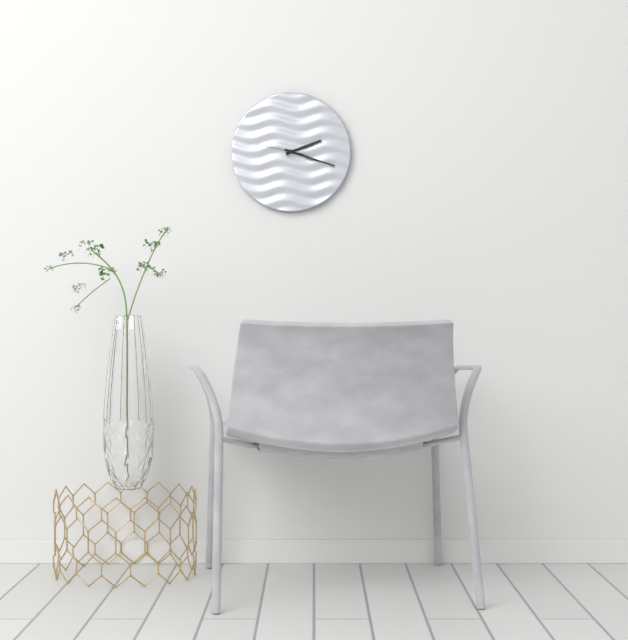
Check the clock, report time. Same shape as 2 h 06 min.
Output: 2 h 18 min
